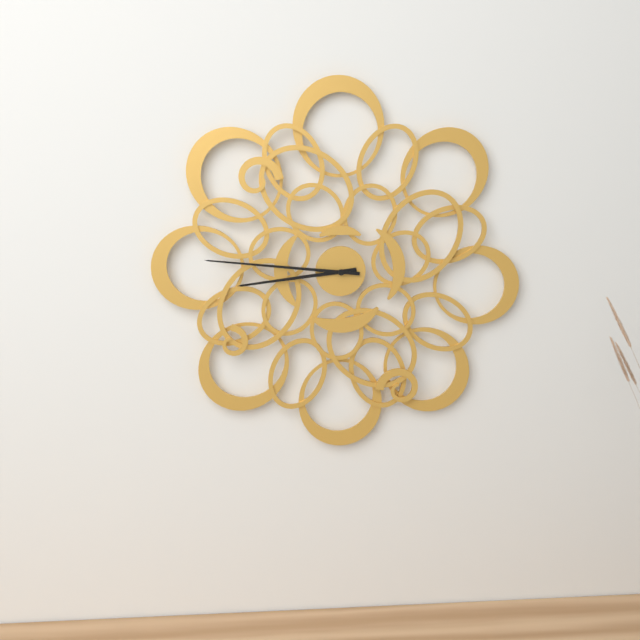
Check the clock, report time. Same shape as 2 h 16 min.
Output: 8 h 46 min
